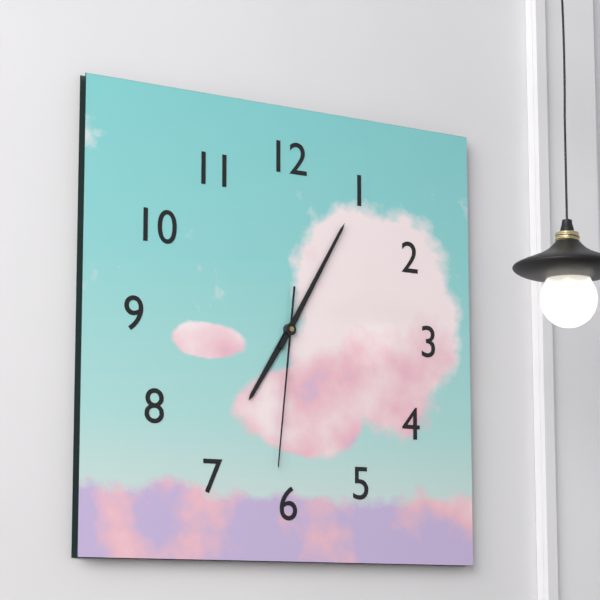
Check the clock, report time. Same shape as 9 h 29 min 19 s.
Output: 7 h 05 min 31 s
